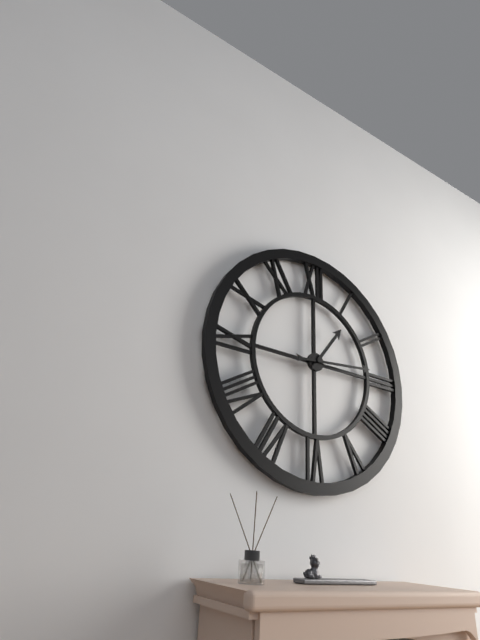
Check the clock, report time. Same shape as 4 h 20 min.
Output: 1 h 14 min
